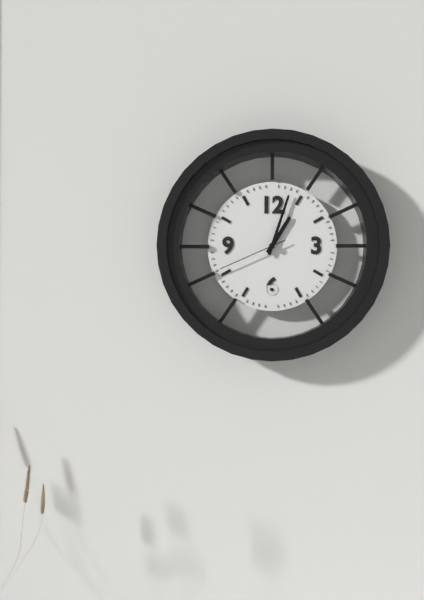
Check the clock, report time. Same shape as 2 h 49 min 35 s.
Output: 1 h 03 min 41 s
